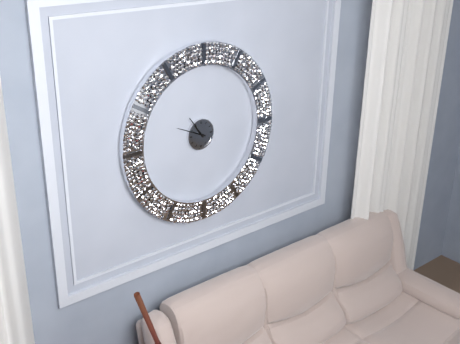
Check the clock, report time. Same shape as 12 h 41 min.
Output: 10 h 49 min
